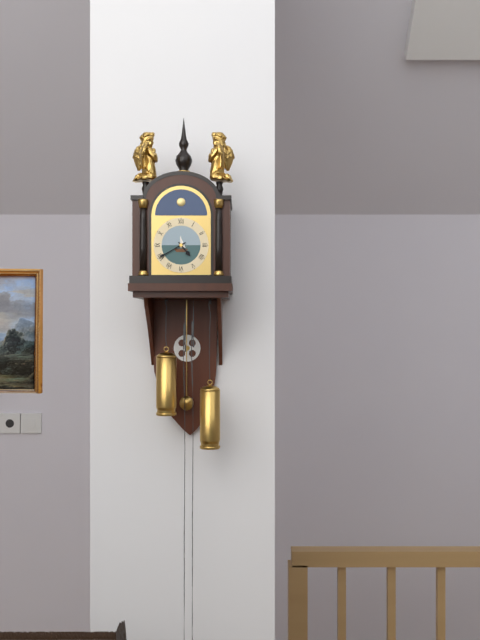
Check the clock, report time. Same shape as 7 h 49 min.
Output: 4 h 40 min
